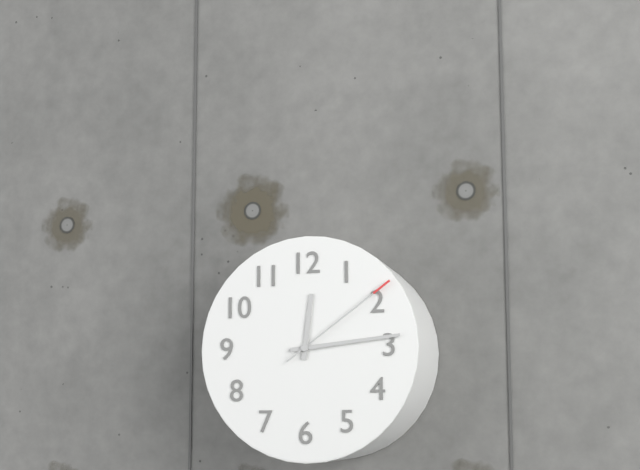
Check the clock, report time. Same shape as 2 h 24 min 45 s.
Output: 12 h 14 min 09 s
